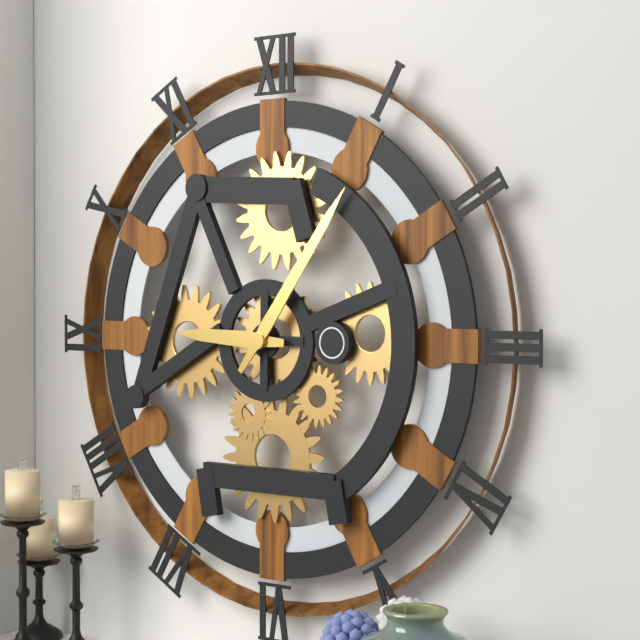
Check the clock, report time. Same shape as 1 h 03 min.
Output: 9 h 06 min
